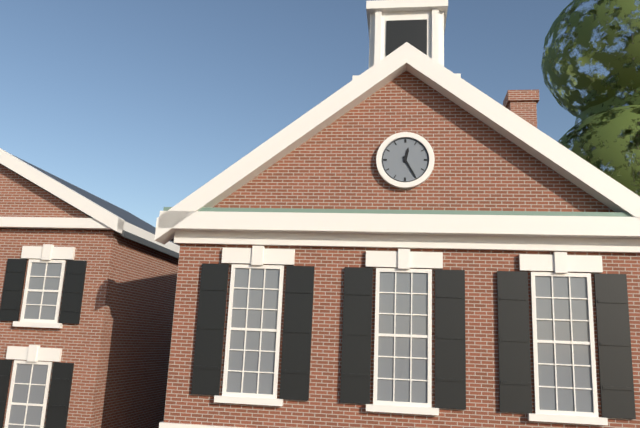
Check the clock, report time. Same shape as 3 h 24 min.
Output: 12 h 25 min
